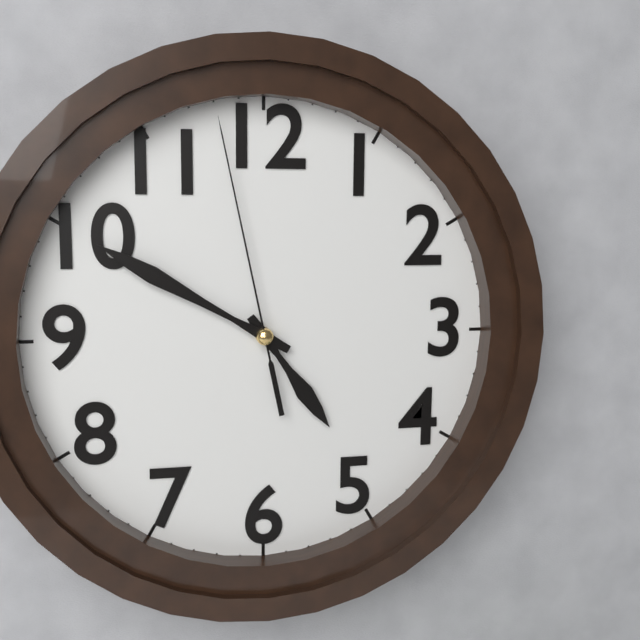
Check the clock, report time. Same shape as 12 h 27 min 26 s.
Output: 4 h 50 min 58 s
